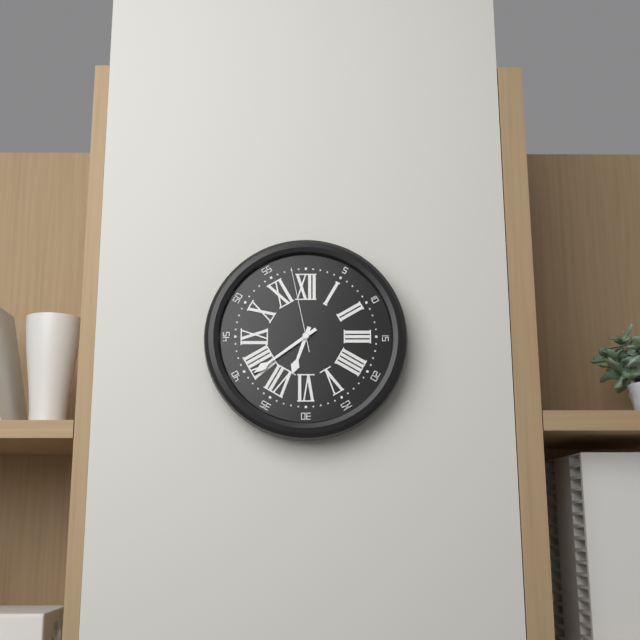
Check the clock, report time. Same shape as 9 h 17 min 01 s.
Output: 6 h 39 min 58 s
